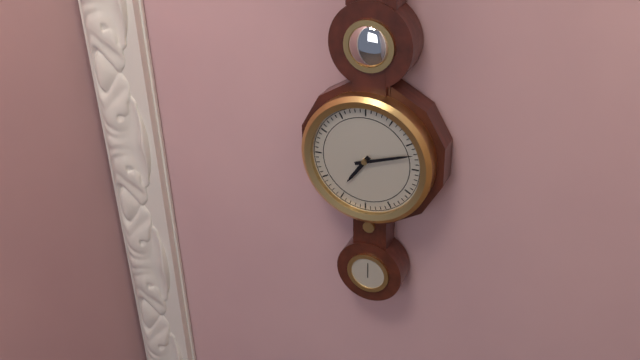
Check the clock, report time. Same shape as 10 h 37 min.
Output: 7 h 12 min
